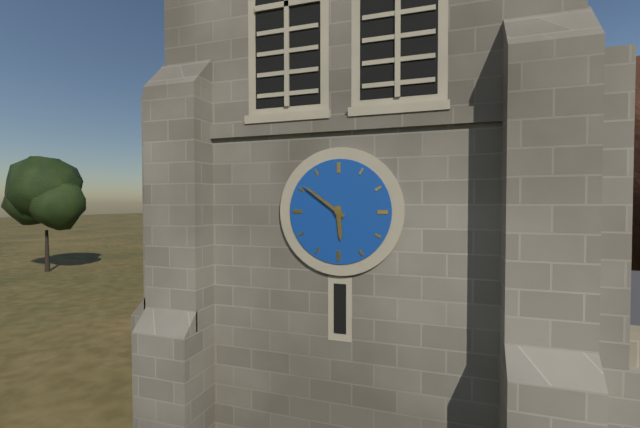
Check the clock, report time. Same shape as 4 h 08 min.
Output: 5 h 51 min
